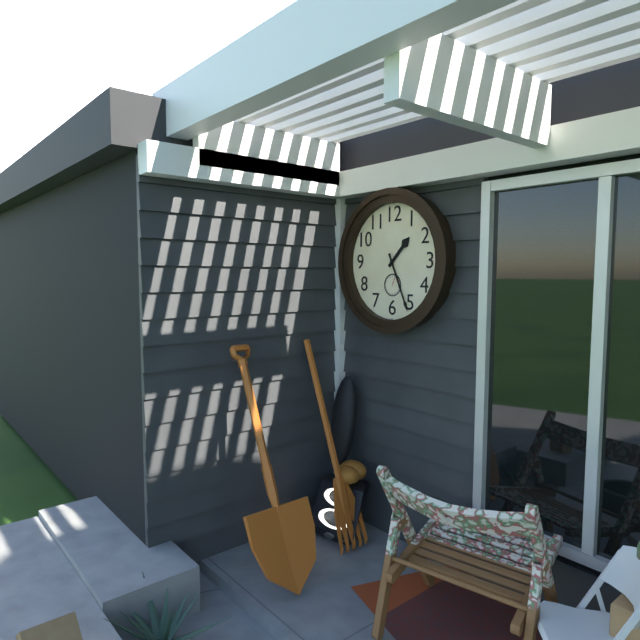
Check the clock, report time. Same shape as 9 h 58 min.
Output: 1 h 26 min
